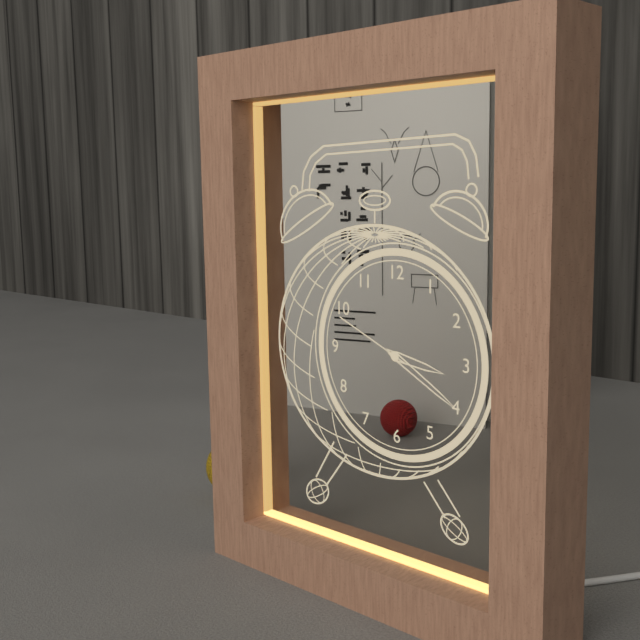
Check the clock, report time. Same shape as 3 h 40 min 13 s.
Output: 3 h 20 min 49 s
